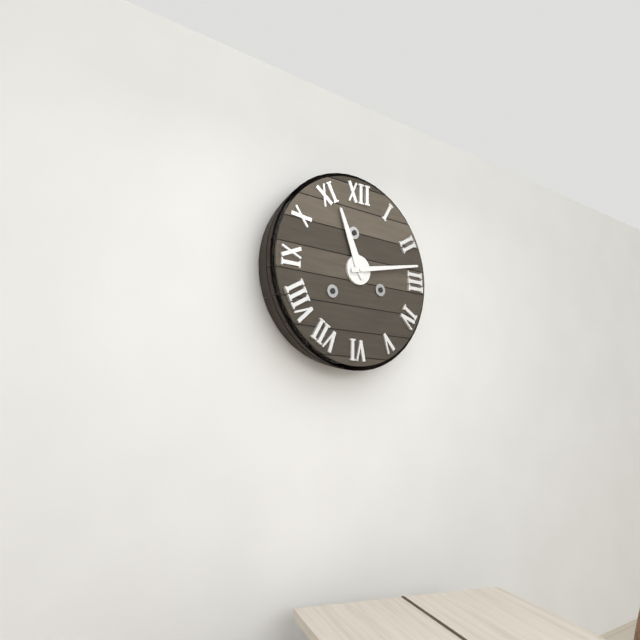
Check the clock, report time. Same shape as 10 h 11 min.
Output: 11 h 13 min
